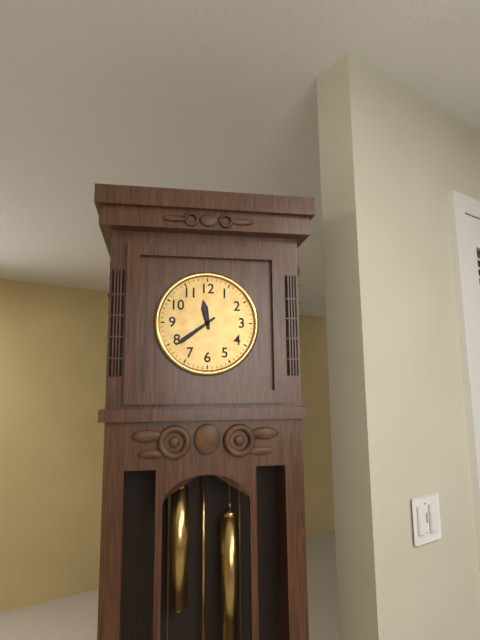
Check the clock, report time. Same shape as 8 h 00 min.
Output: 11 h 39 min
